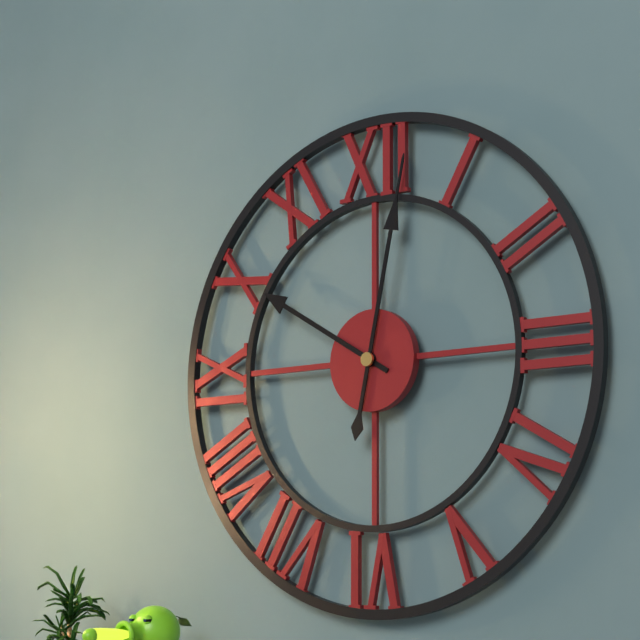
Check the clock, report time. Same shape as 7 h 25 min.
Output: 10 h 02 min
